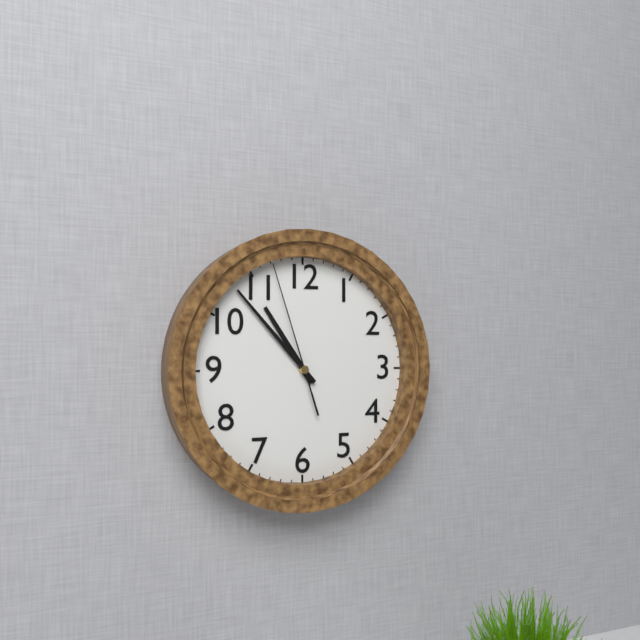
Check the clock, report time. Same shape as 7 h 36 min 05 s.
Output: 10 h 53 min 57 s
